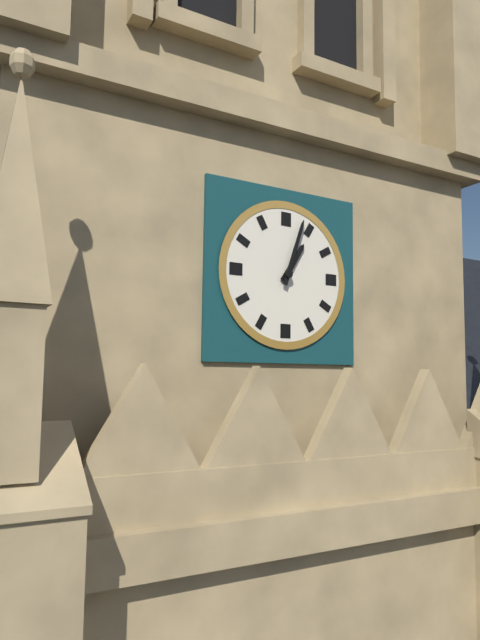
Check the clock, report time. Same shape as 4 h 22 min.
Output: 1 h 03 min
